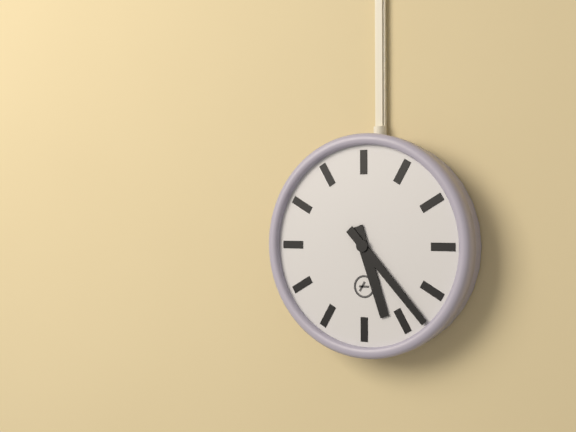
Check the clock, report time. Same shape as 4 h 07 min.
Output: 5 h 23 min
